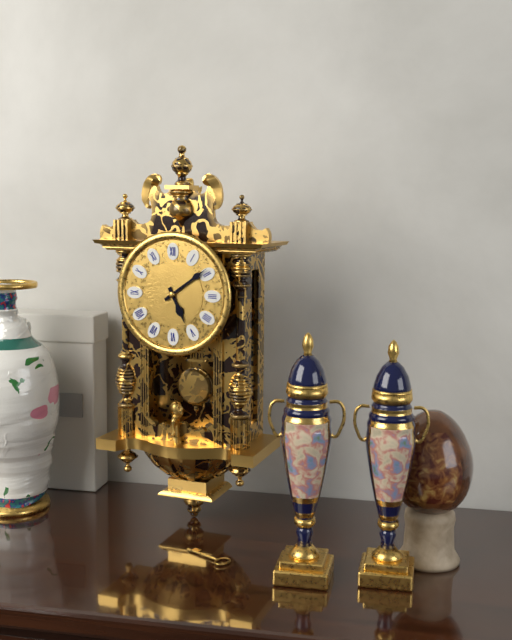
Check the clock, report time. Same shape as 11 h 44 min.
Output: 5 h 09 min
